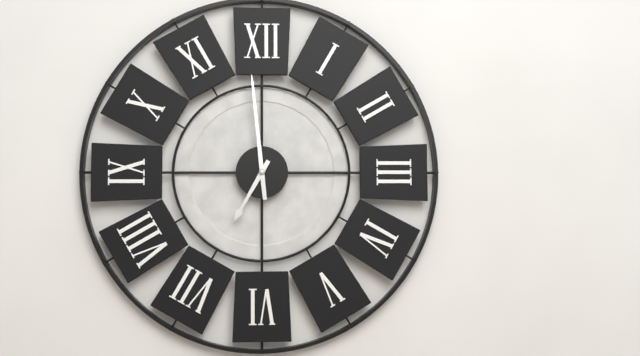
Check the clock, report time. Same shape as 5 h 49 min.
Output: 6 h 59 min
